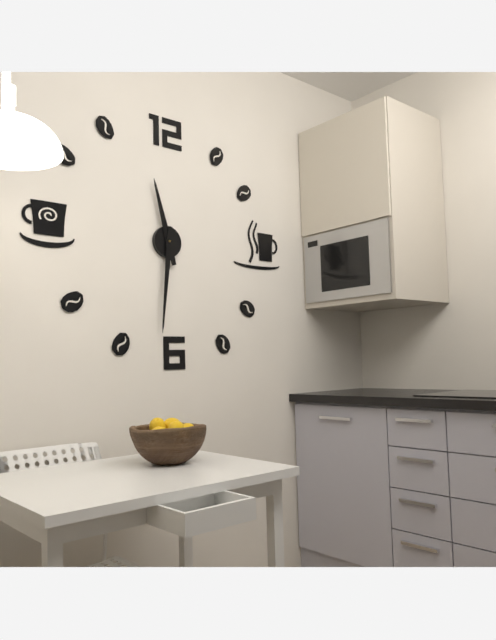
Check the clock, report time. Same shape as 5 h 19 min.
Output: 11 h 31 min
